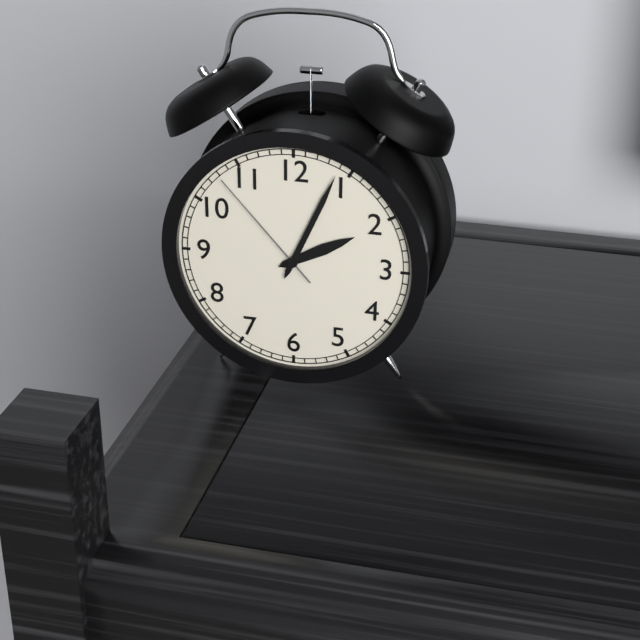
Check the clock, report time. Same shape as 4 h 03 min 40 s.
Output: 2 h 04 min 53 s
